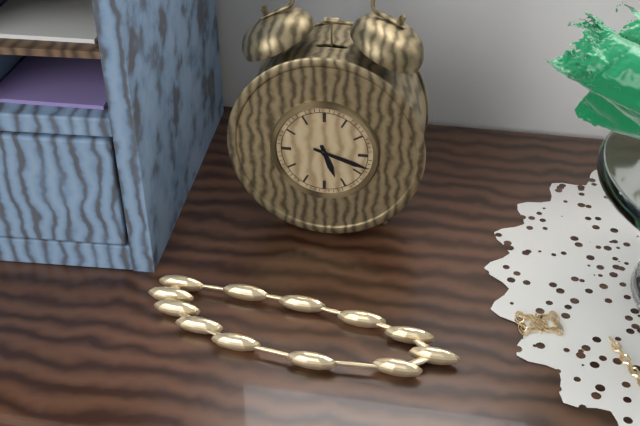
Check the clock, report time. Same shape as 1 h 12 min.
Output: 5 h 18 min
